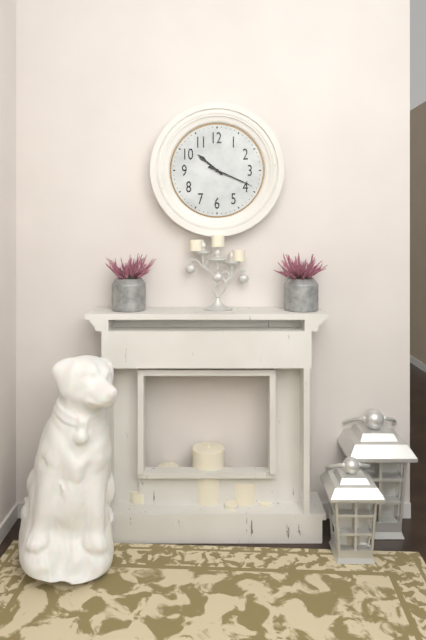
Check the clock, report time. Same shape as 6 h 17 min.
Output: 10 h 19 min
